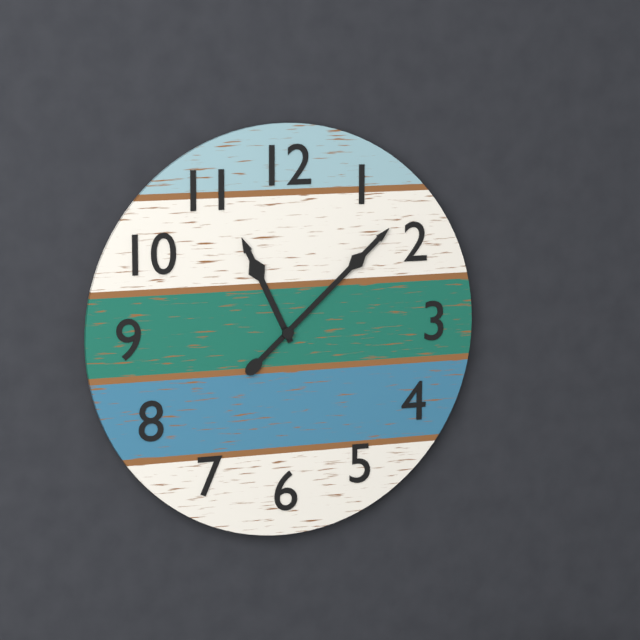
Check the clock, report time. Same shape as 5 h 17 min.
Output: 11 h 08 min
